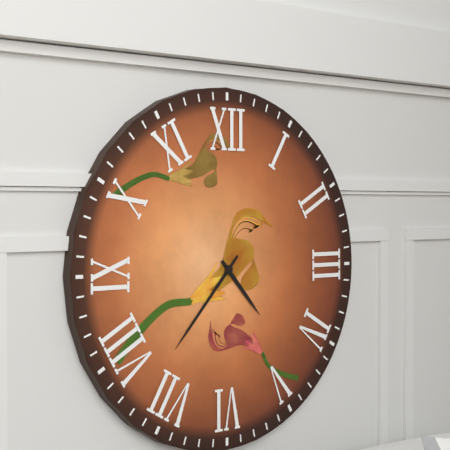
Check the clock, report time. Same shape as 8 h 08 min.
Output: 4 h 37 min
